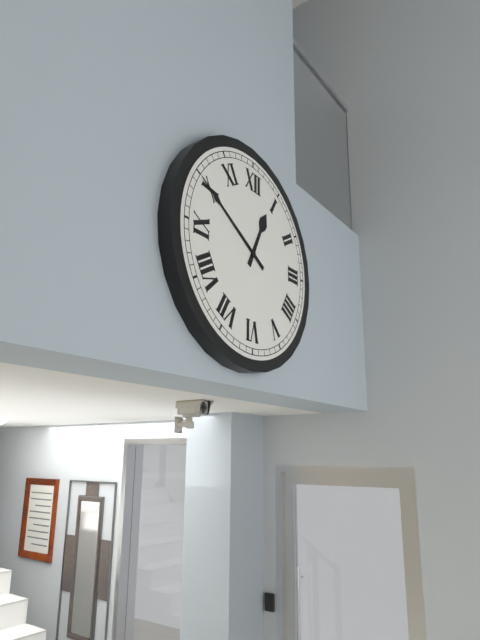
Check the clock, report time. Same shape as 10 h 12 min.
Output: 12 h 50 min
